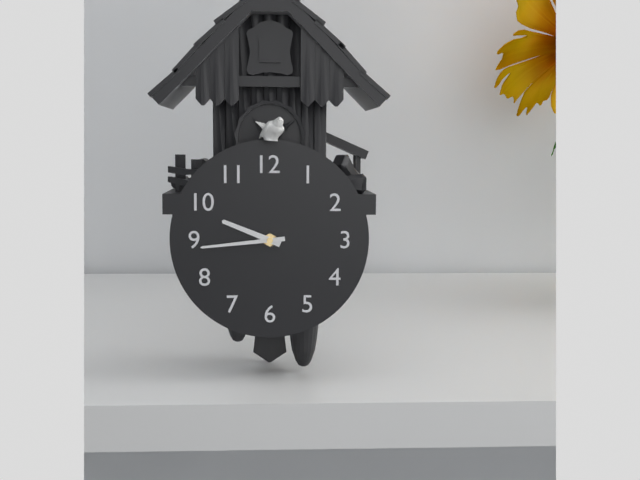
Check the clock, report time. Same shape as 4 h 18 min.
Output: 9 h 44 min
